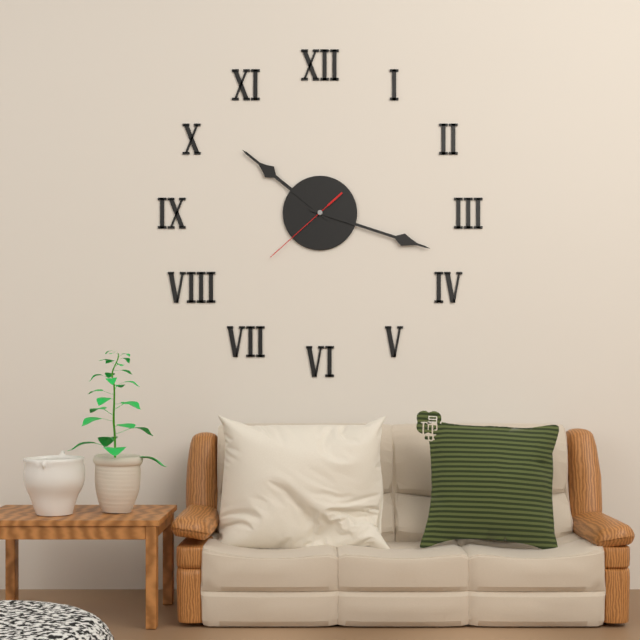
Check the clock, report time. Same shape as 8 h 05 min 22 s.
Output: 10 h 18 min 38 s
